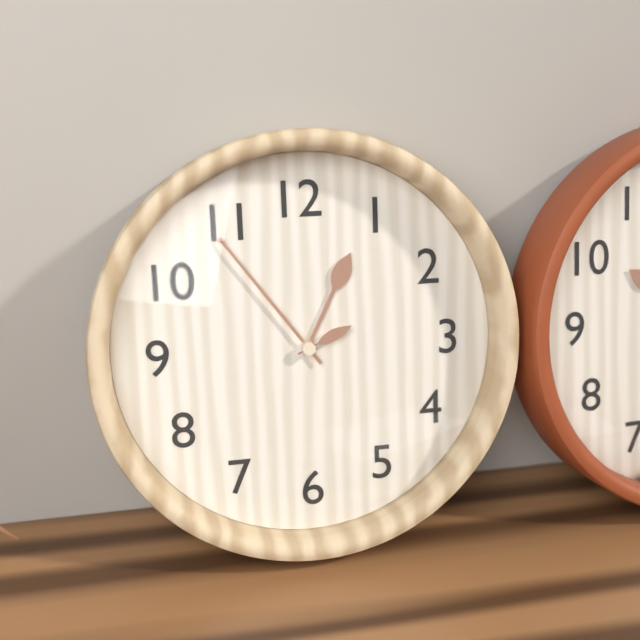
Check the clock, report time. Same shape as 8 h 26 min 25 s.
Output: 12 h 54 min 11 s
